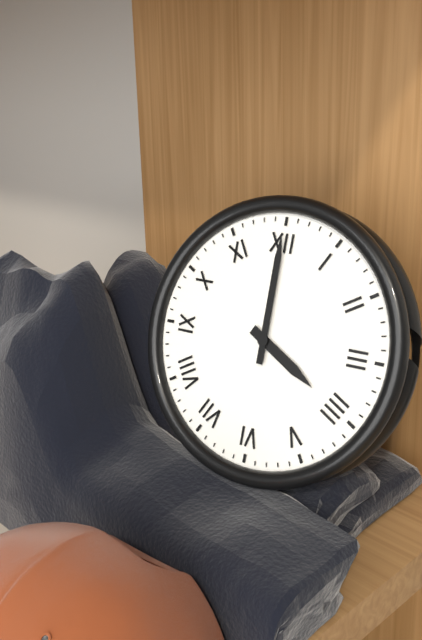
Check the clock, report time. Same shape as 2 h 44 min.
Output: 4 h 00 min
